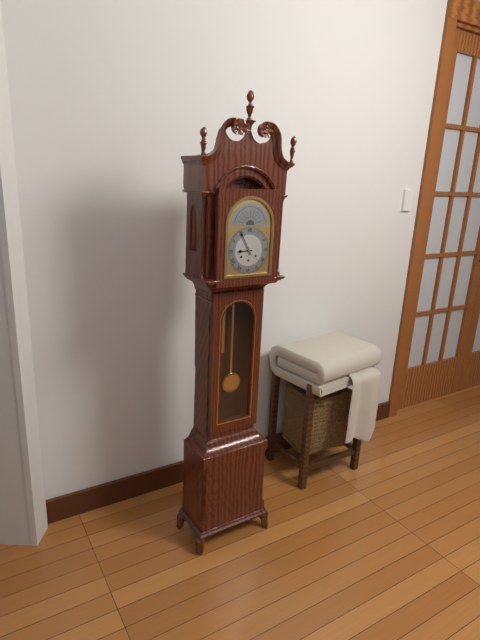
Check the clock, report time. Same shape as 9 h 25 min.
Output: 8 h 55 min
